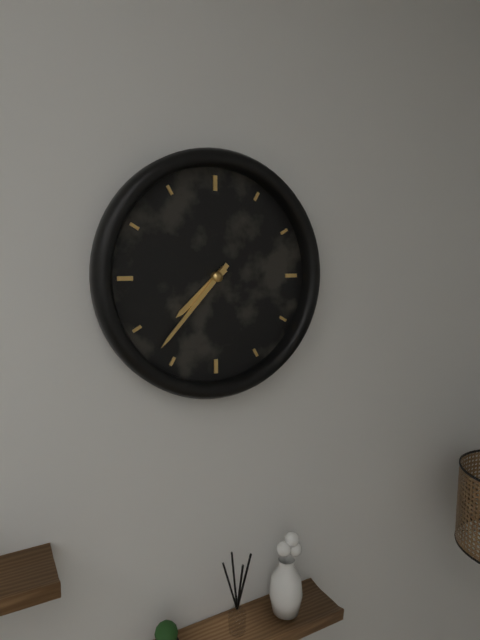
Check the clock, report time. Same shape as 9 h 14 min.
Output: 7 h 37 min
